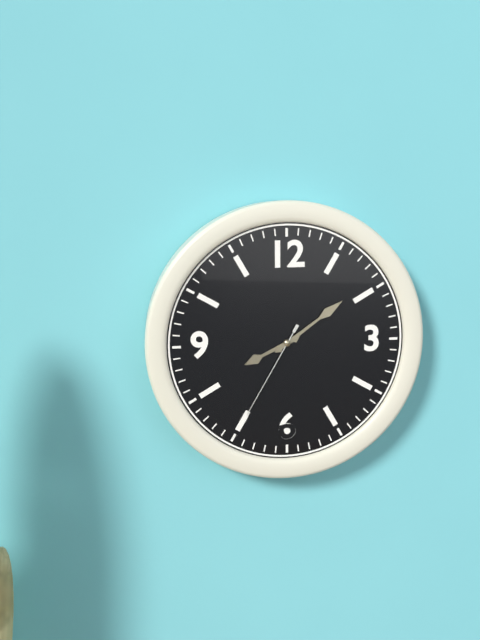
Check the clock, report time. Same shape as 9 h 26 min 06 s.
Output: 8 h 09 min 35 s
